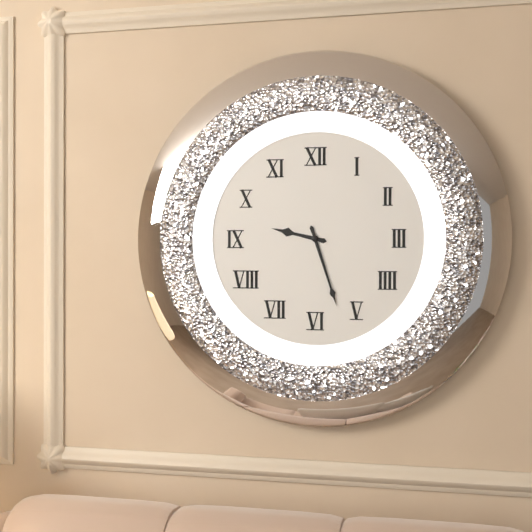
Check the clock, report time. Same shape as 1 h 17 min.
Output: 9 h 27 min
